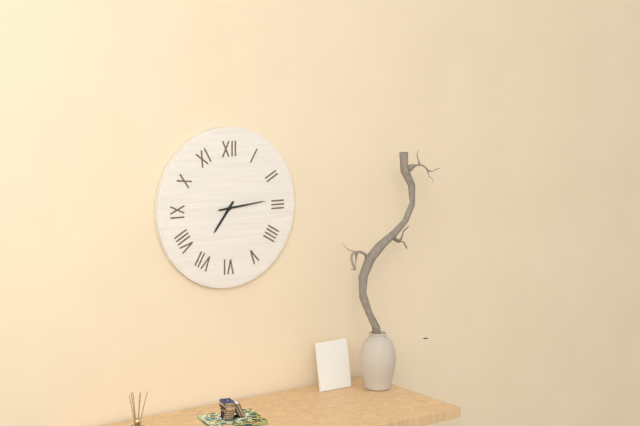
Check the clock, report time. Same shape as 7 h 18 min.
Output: 7 h 14 min
